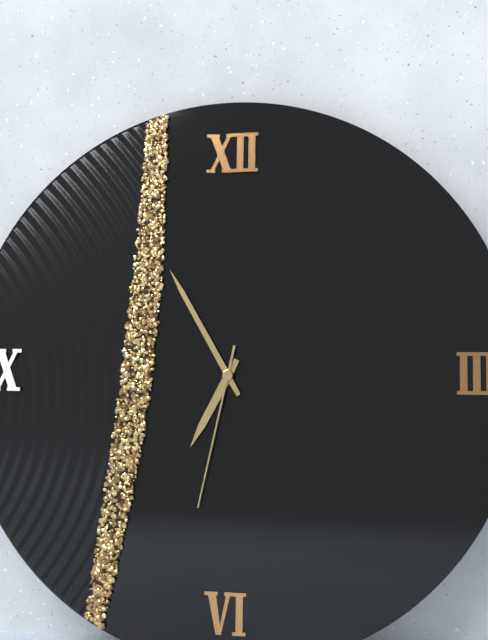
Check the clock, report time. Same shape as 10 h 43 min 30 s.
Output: 6 h 55 min 32 s
